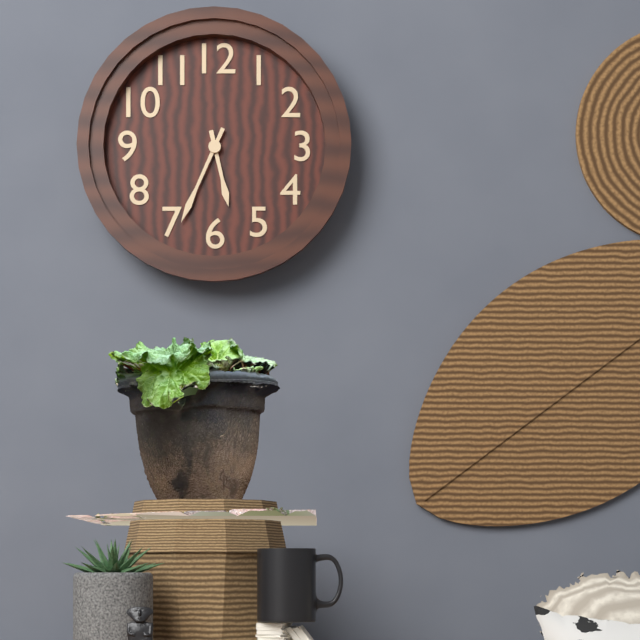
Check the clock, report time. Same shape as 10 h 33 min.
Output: 5 h 34 min
